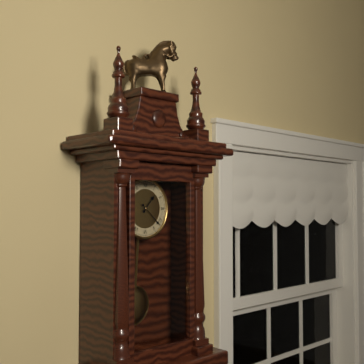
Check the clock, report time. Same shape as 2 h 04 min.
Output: 1 h 22 min
